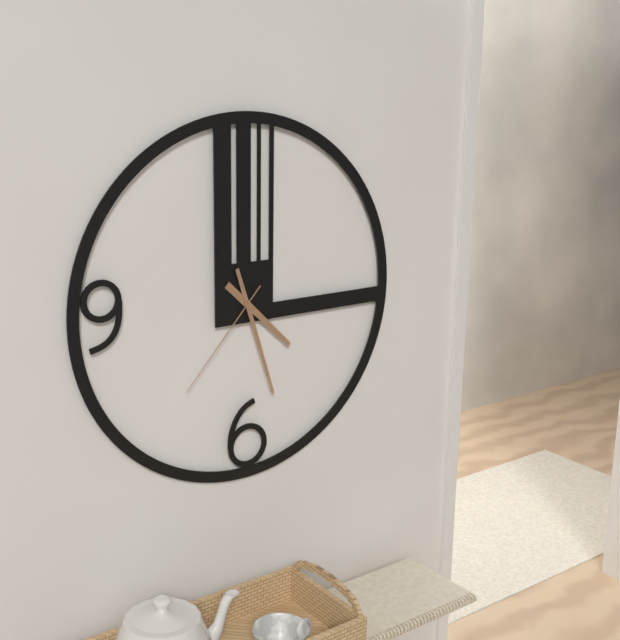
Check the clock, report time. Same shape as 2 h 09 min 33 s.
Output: 4 h 27 min 37 s
